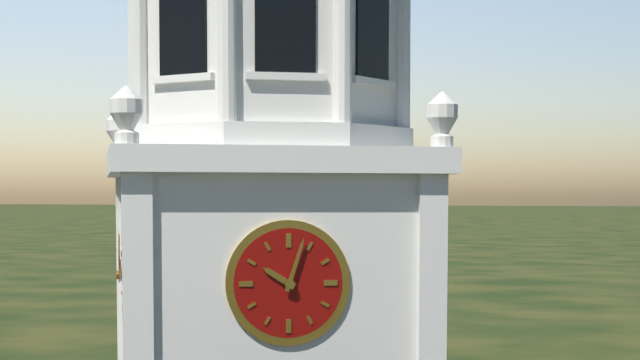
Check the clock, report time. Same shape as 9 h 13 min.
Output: 10 h 03 min
